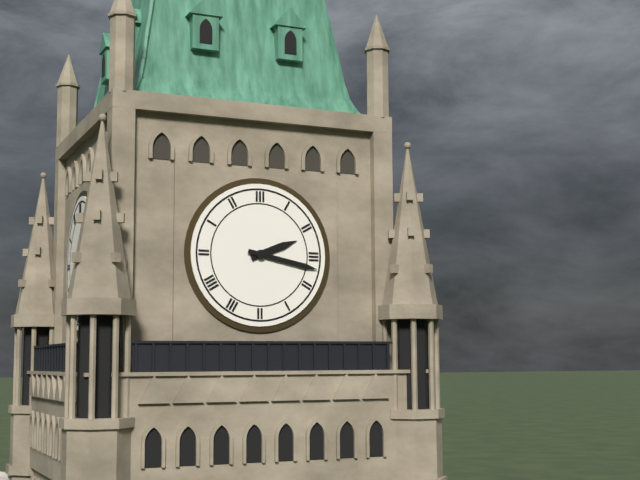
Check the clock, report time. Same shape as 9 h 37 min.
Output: 2 h 17 min
